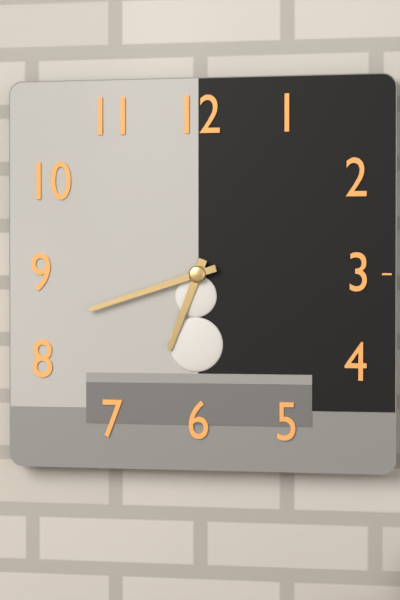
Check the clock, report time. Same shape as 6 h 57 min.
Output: 6 h 42 min
